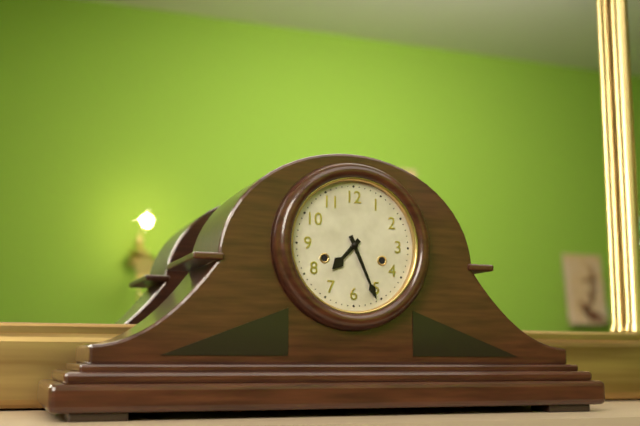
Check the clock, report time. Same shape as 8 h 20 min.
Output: 7 h 26 min
